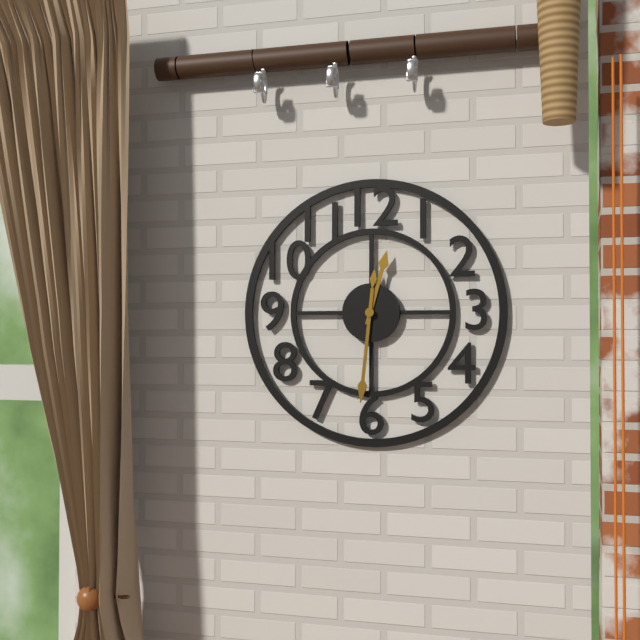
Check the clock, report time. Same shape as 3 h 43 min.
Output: 12 h 31 min
